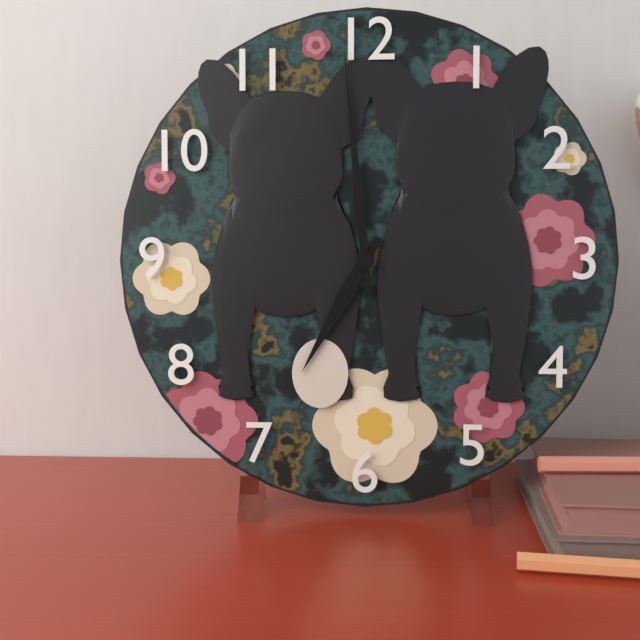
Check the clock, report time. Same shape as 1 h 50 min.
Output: 6 h 59 min
